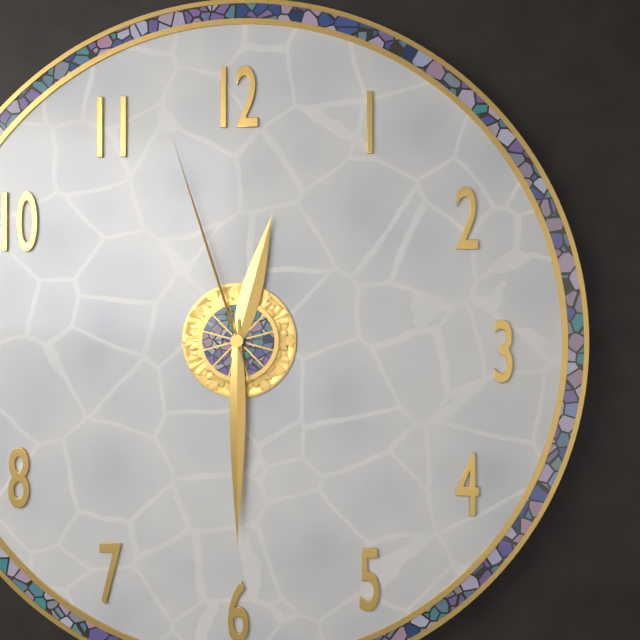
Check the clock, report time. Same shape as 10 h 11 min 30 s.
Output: 12 h 30 min 57 s
